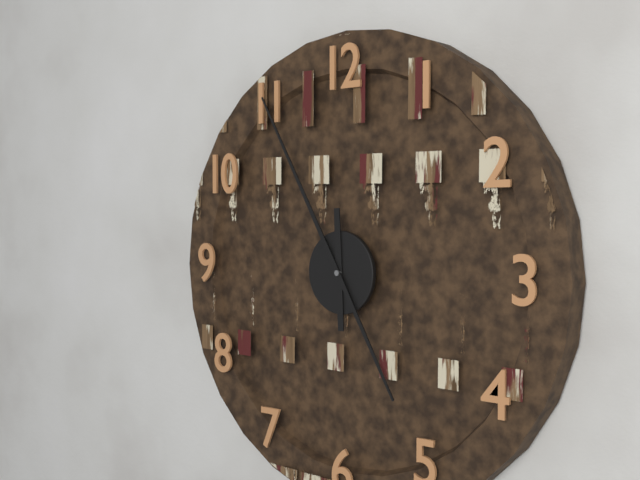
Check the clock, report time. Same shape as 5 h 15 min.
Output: 11 h 55 min
